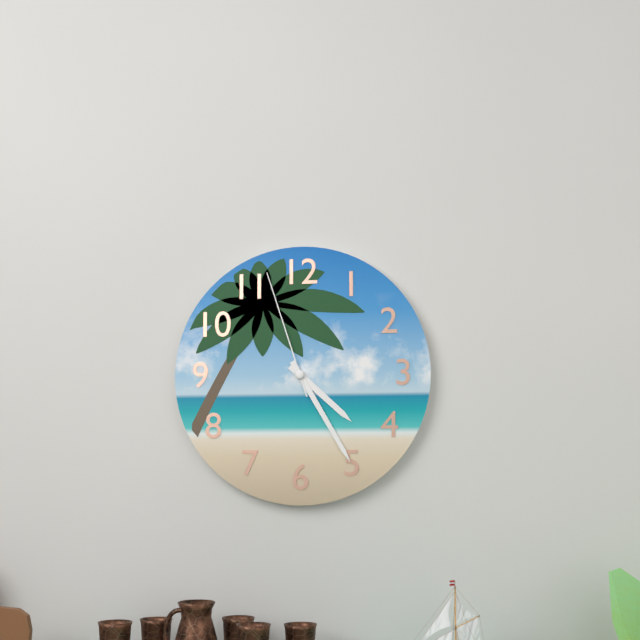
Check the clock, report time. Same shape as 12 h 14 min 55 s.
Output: 4 h 25 min 57 s
